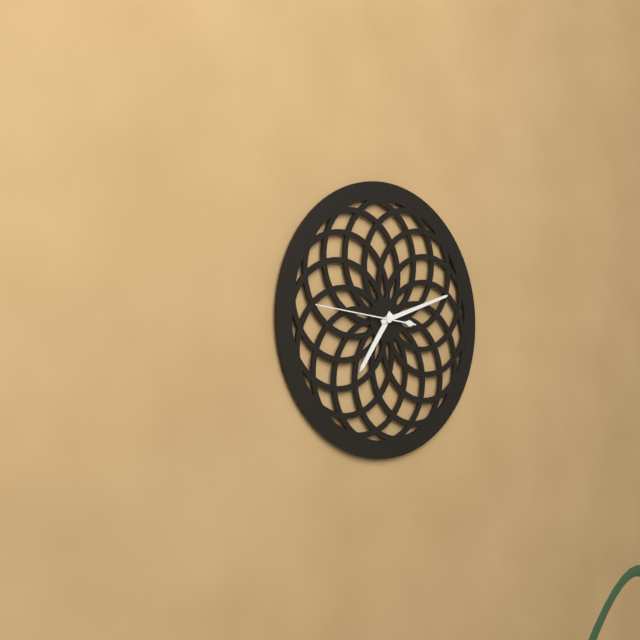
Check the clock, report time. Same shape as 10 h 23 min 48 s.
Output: 7 h 12 min 46 s
